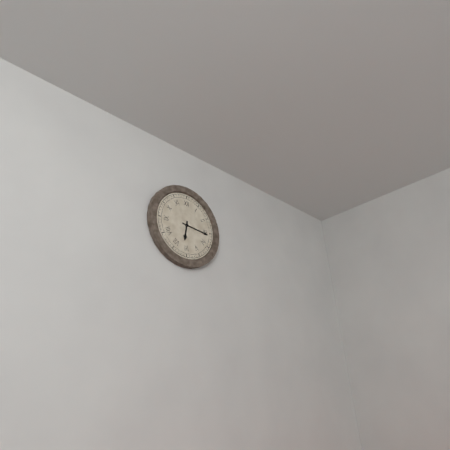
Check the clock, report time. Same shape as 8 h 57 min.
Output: 6 h 16 min
